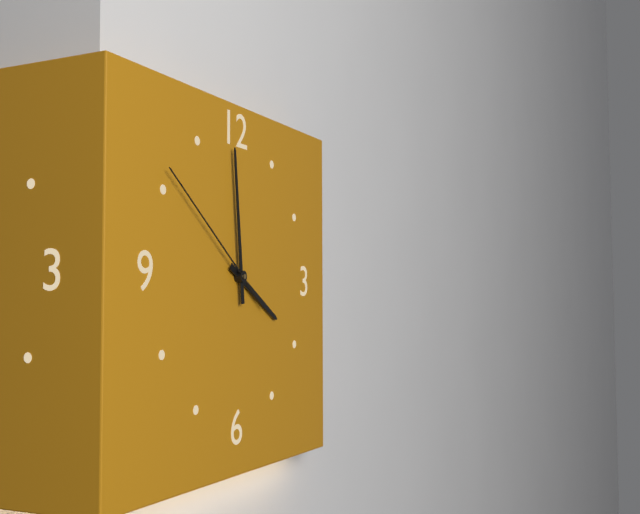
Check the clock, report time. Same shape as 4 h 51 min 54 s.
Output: 3 h 59 min 51 s
